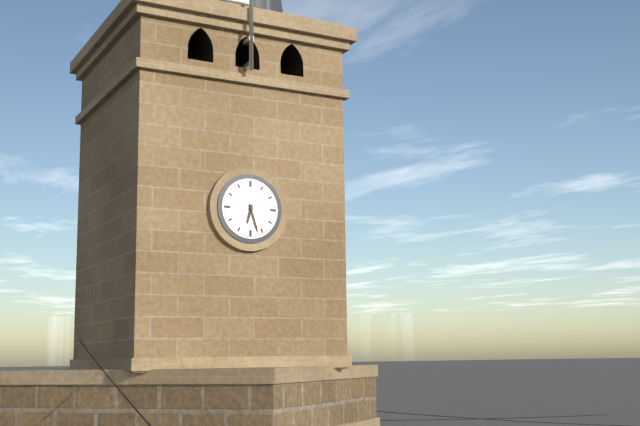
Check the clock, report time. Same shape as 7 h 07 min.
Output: 6 h 27 min
